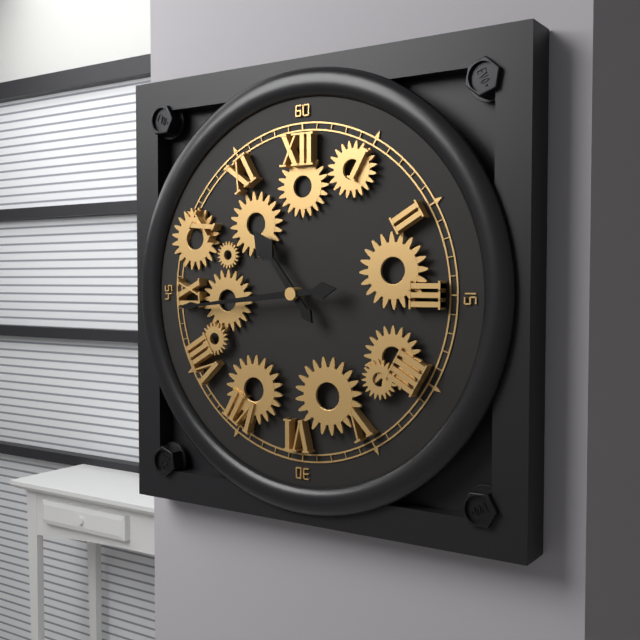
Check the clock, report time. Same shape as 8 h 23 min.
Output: 10 h 44 min
